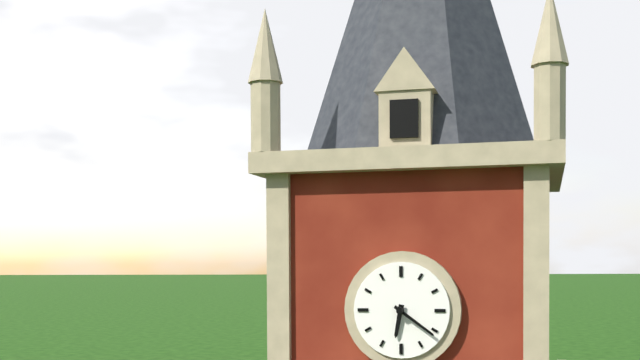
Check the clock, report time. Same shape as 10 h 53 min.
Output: 6 h 21 min
